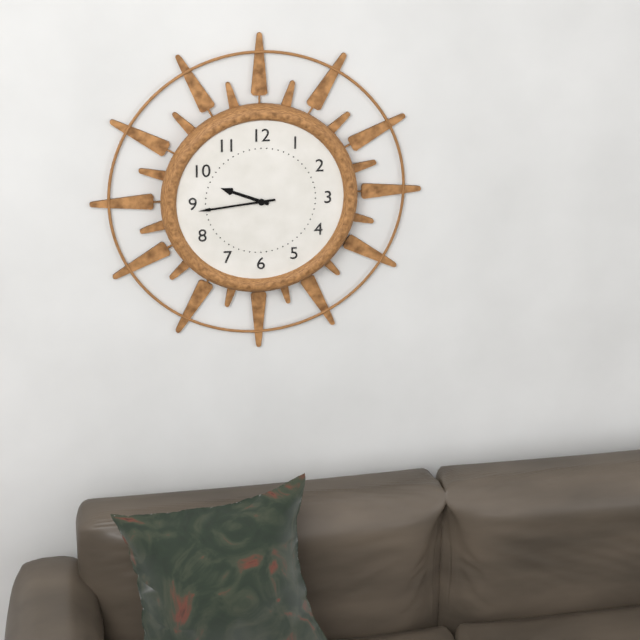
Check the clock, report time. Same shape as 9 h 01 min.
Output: 9 h 44 min
